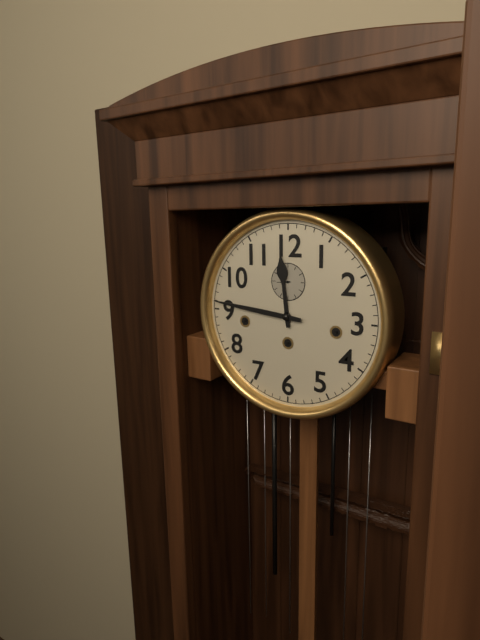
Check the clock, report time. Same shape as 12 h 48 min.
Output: 11 h 46 min
